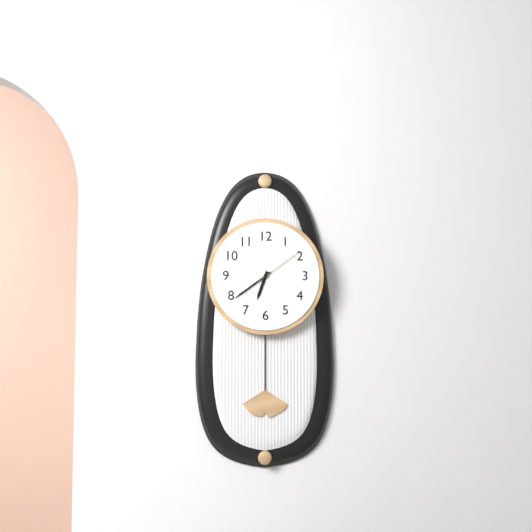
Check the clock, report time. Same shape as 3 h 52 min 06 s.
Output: 6 h 39 min 09 s
